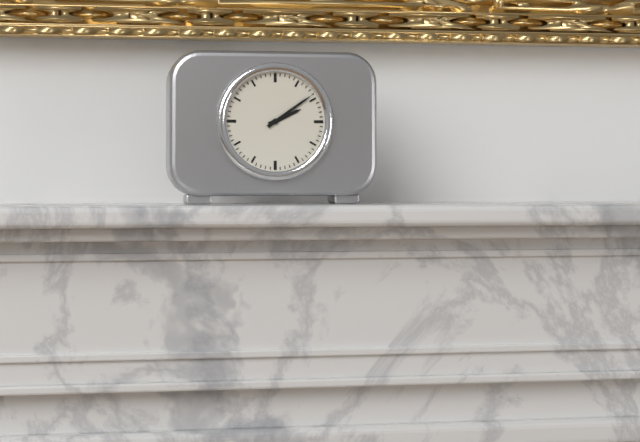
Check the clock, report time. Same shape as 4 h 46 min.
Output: 2 h 09 min
